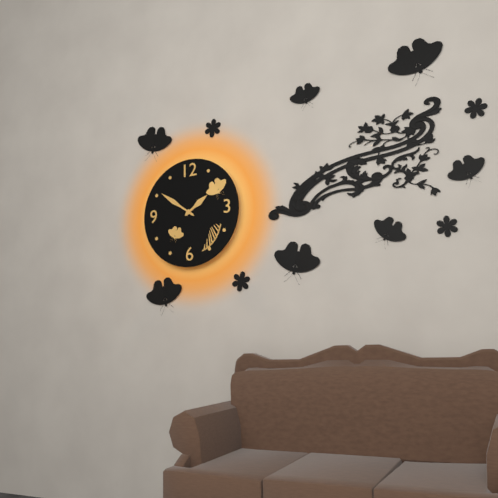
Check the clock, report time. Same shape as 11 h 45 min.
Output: 1 h 51 min
